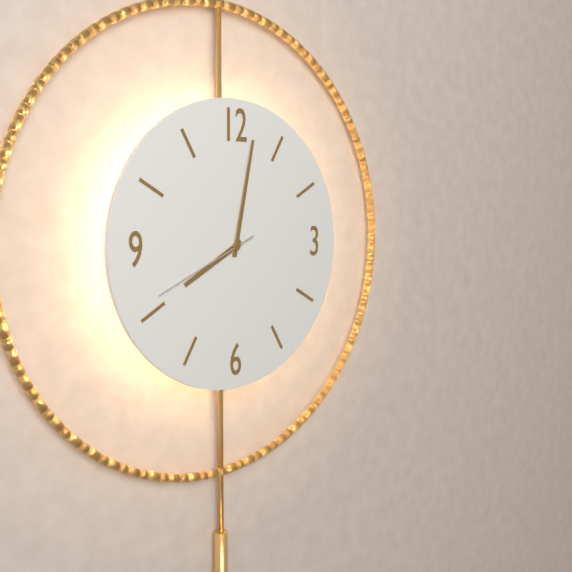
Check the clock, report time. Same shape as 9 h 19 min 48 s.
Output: 8 h 02 min 41 s
